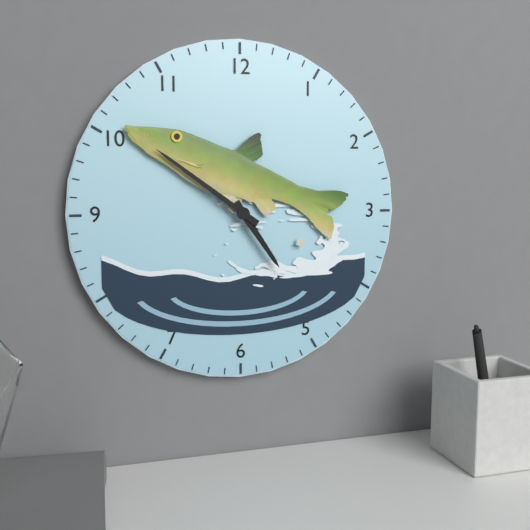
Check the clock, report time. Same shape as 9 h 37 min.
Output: 4 h 51 min
